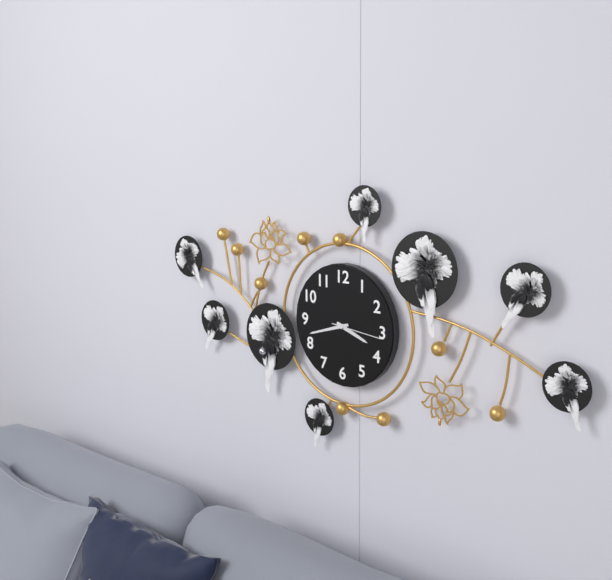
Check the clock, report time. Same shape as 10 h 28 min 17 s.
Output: 3 h 42 min 16 s
